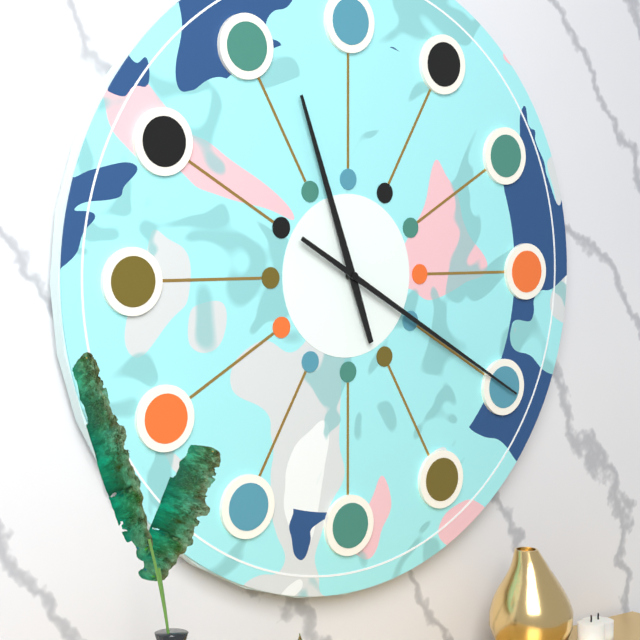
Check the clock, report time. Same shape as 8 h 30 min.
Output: 11 h 20 min
